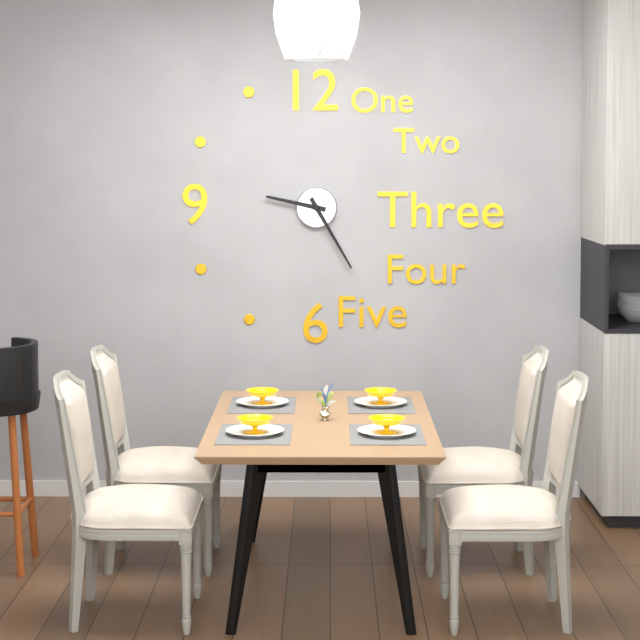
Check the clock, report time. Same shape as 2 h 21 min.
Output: 9 h 25 min
